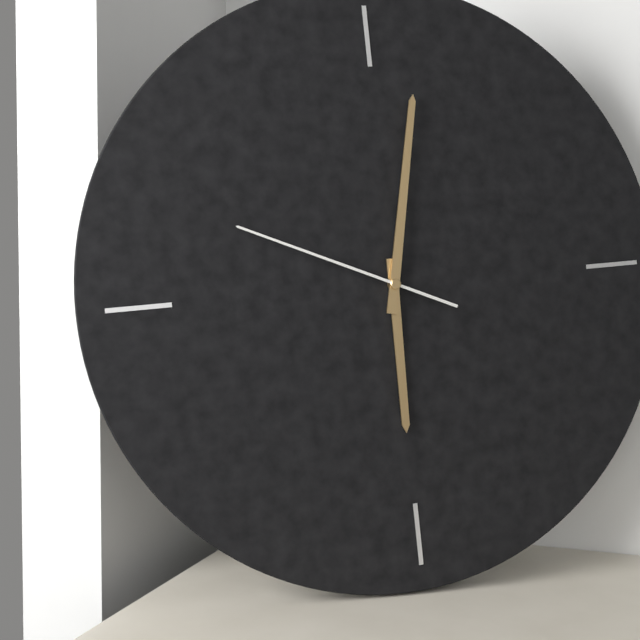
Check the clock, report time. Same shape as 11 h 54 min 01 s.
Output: 6 h 02 min 49 s
